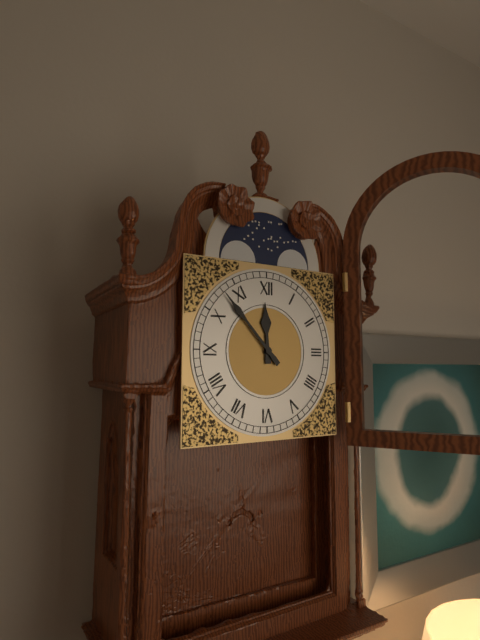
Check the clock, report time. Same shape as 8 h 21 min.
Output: 11 h 53 min
